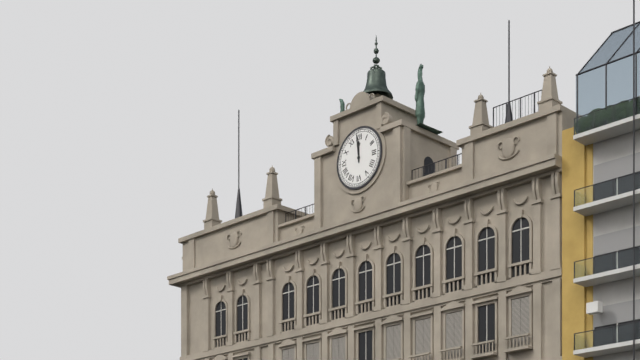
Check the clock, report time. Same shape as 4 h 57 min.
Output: 11 h 59 min
